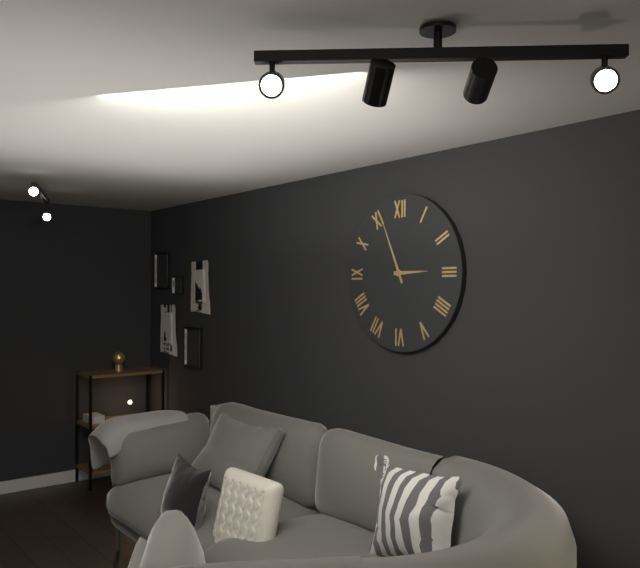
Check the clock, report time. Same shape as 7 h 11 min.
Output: 2 h 56 min
